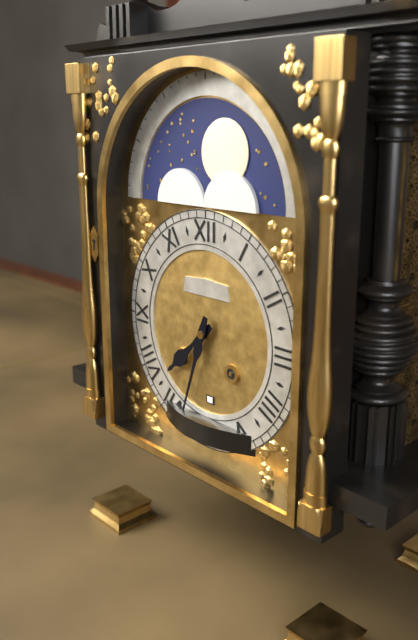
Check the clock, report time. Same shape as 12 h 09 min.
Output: 7 h 33 min
